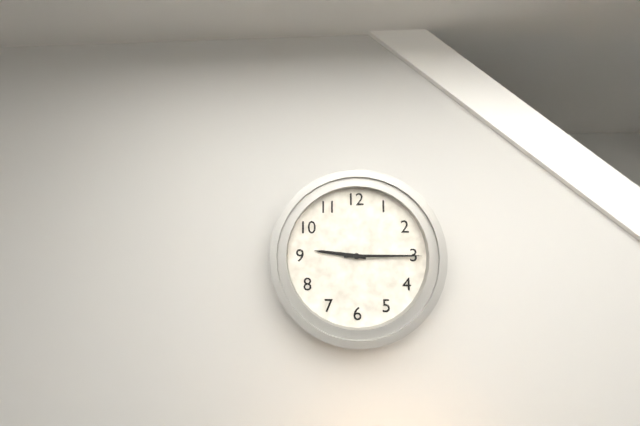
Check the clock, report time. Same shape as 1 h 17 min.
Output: 9 h 15 min
